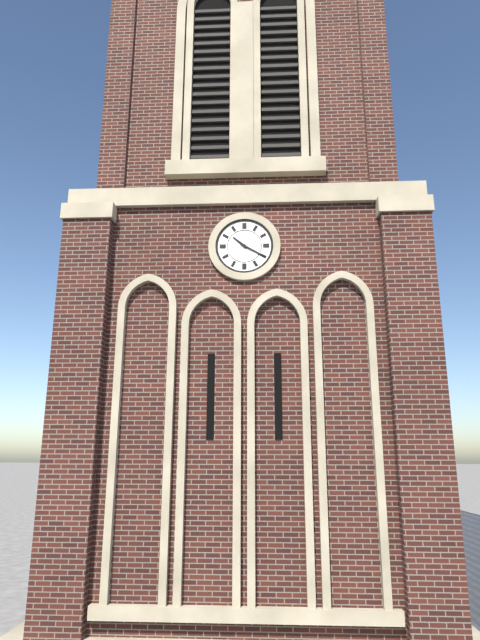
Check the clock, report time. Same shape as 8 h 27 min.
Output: 10 h 20 min
